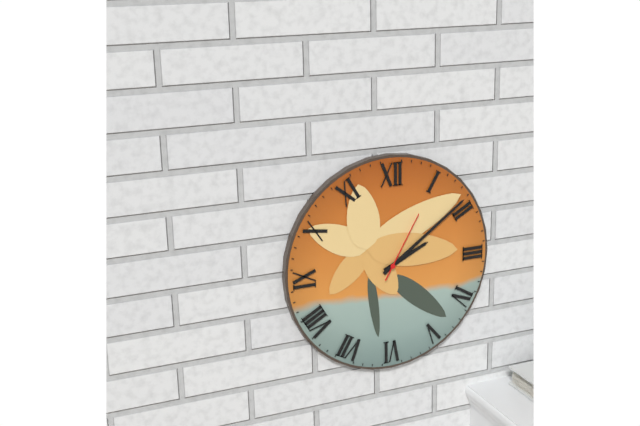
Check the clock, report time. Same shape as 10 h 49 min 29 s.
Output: 2 h 09 min 05 s
